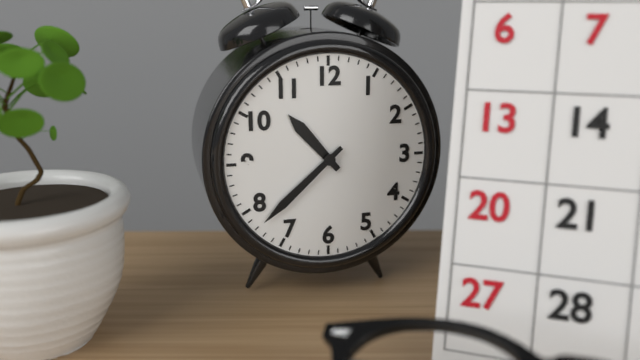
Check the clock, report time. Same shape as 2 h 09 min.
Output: 10 h 38 min
